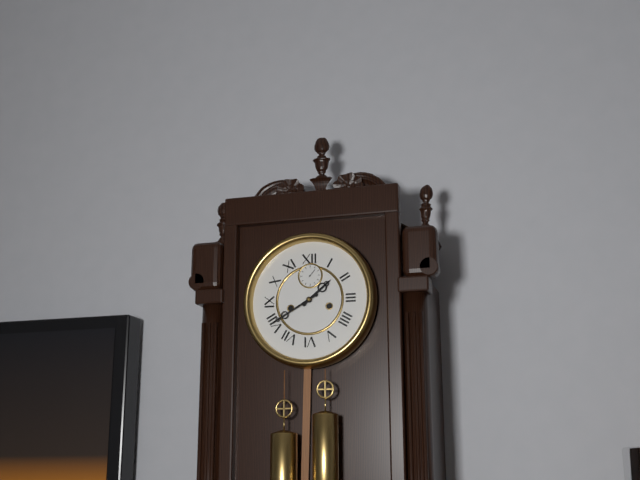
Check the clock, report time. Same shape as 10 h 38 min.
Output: 1 h 40 min
